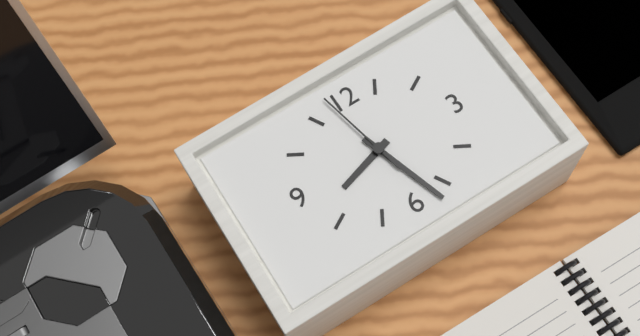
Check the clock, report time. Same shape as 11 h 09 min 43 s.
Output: 8 h 27 min 58 s
